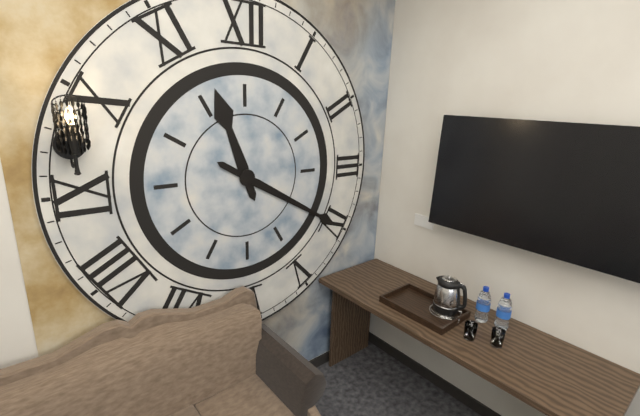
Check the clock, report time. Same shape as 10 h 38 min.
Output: 11 h 20 min
